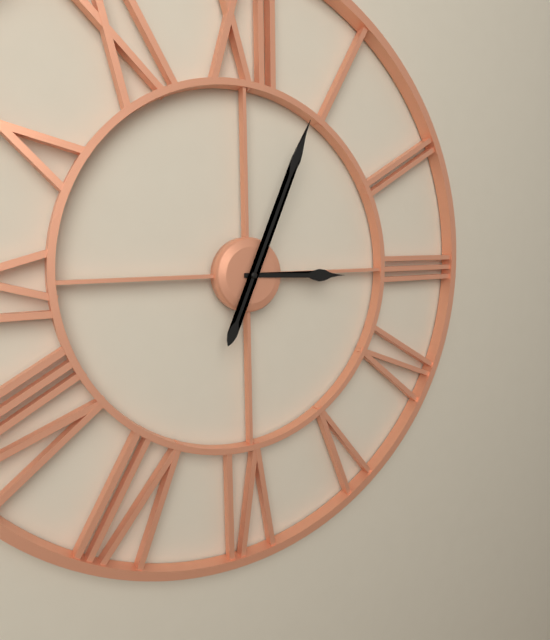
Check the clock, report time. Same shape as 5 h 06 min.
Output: 3 h 04 min
